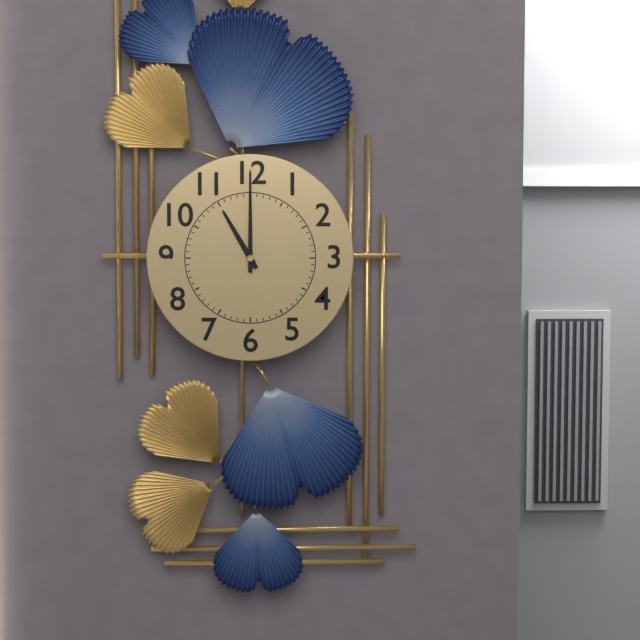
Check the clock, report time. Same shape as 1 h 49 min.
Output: 11 h 00 min
